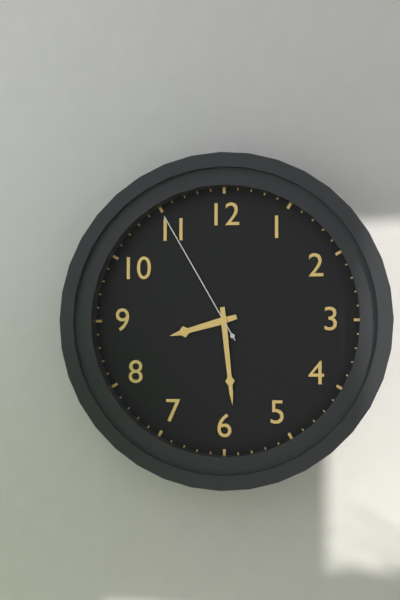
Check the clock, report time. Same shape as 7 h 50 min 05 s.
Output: 8 h 29 min 55 s
